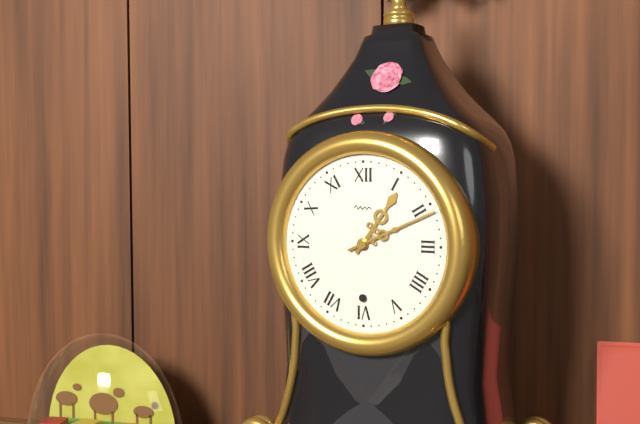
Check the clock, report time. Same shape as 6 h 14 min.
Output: 1 h 11 min
